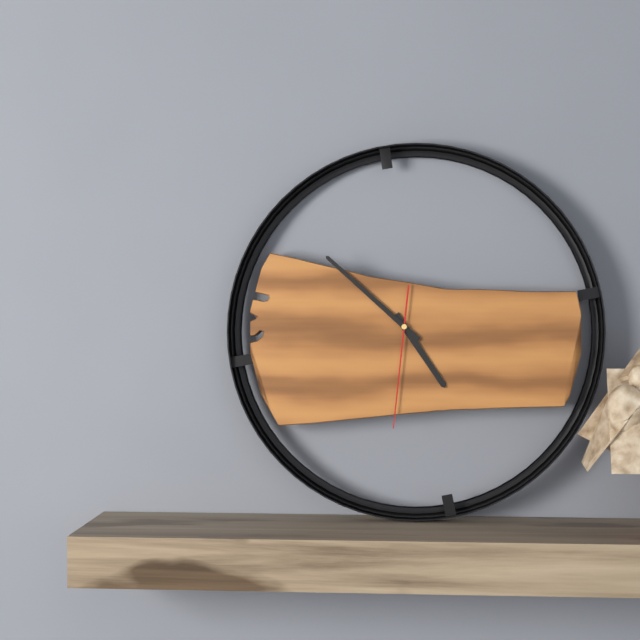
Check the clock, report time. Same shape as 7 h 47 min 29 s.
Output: 4 h 52 min 31 s
